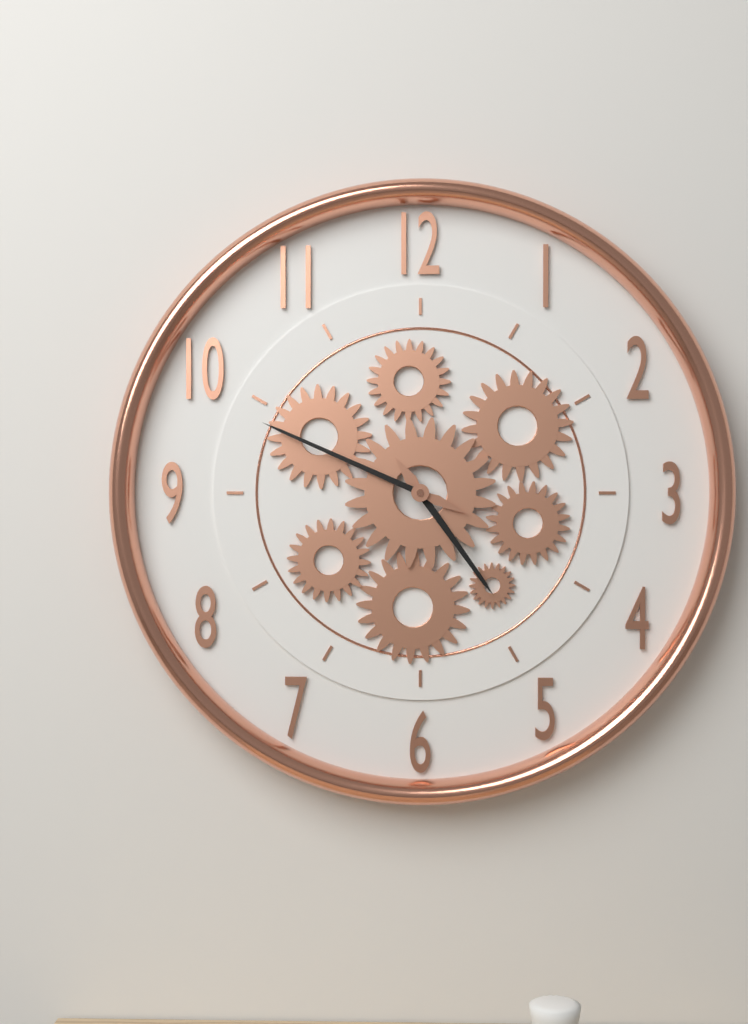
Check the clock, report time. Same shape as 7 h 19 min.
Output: 4 h 49 min
